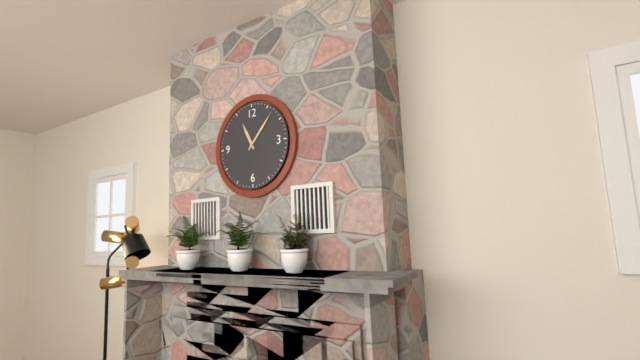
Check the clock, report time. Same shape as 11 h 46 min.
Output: 11 h 07 min
